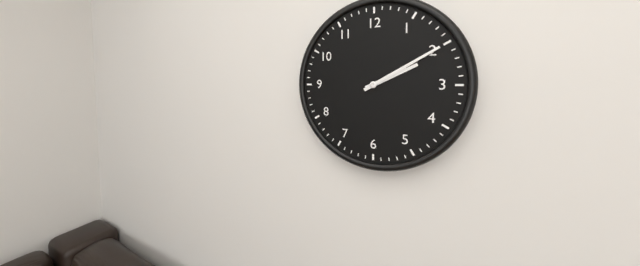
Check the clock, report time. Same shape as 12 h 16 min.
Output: 2 h 10 min
